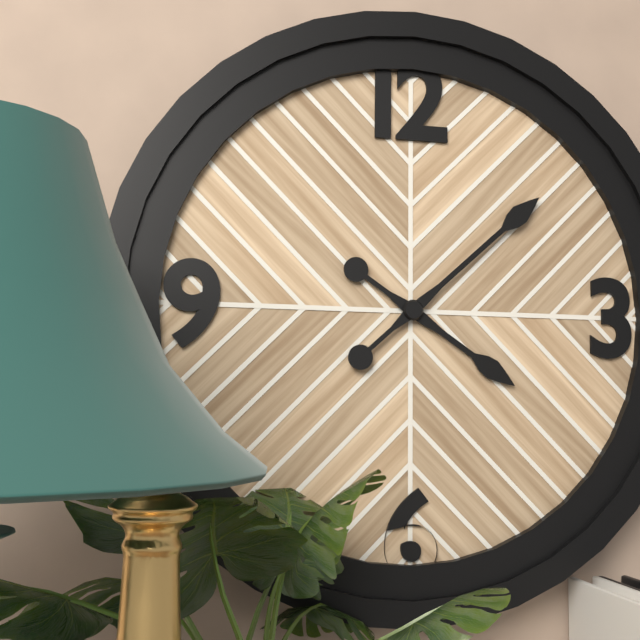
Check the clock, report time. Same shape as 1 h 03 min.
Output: 4 h 08 min
